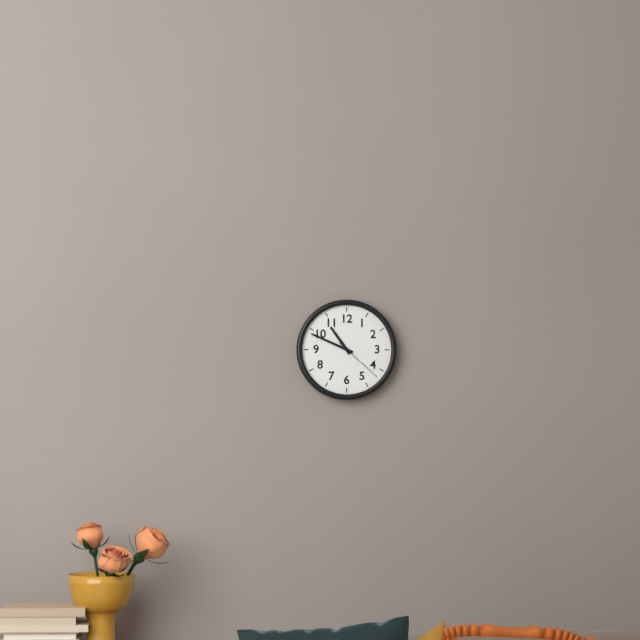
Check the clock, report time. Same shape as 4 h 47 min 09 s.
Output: 10 h 49 min 22 s
